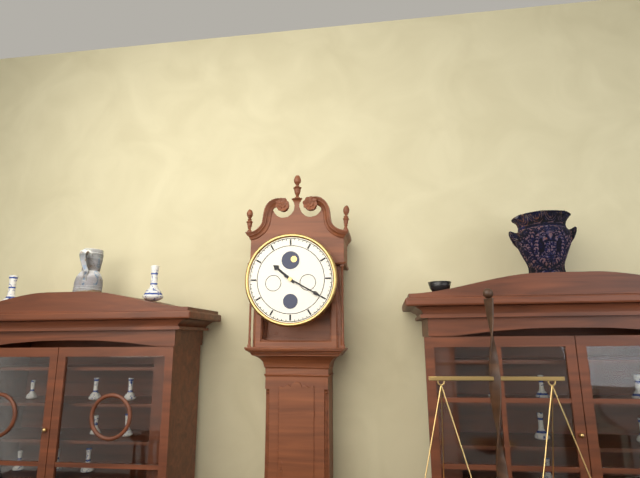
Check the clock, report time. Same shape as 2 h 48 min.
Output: 10 h 20 min
